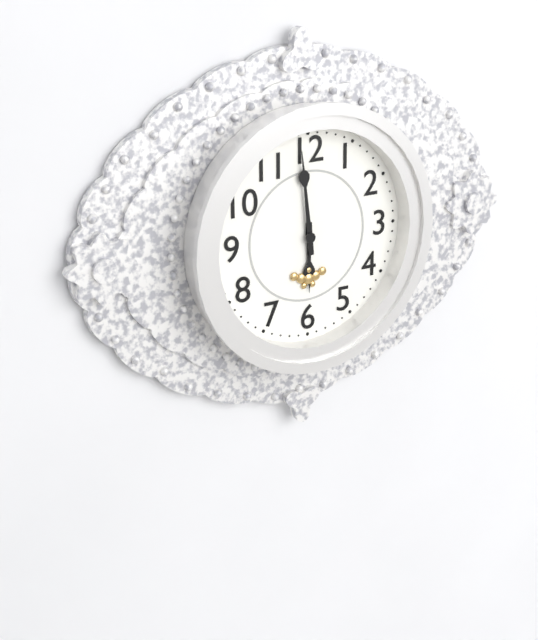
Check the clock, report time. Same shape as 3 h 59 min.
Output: 5 h 59 min
